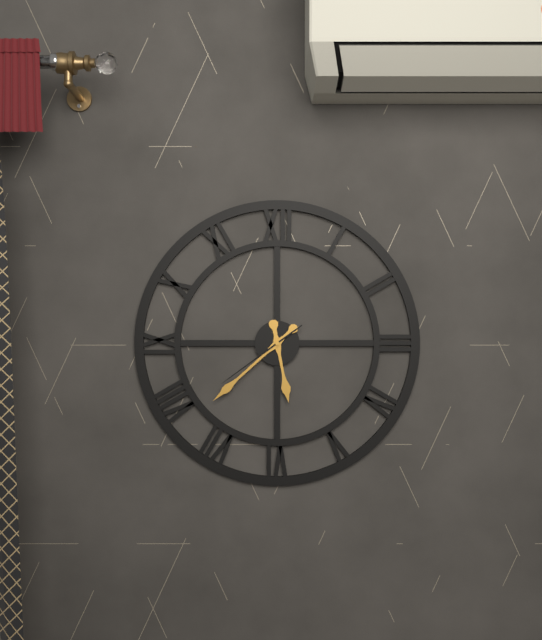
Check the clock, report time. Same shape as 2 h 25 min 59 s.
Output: 5 h 38 min 39 s
